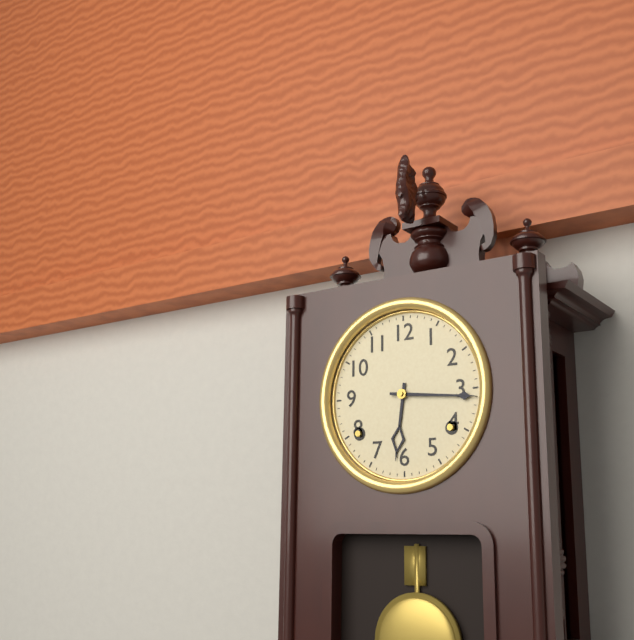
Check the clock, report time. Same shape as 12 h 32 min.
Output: 6 h 16 min
